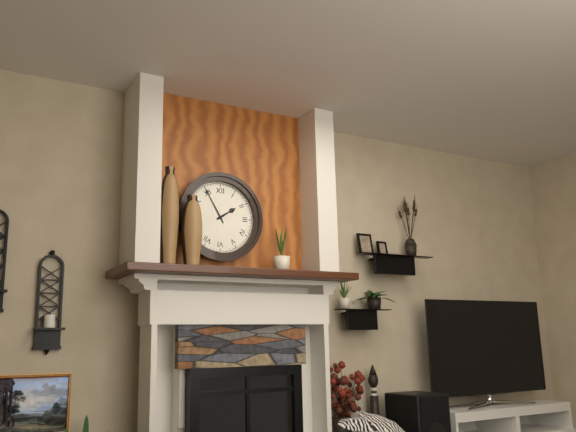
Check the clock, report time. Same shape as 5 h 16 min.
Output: 1 h 55 min
